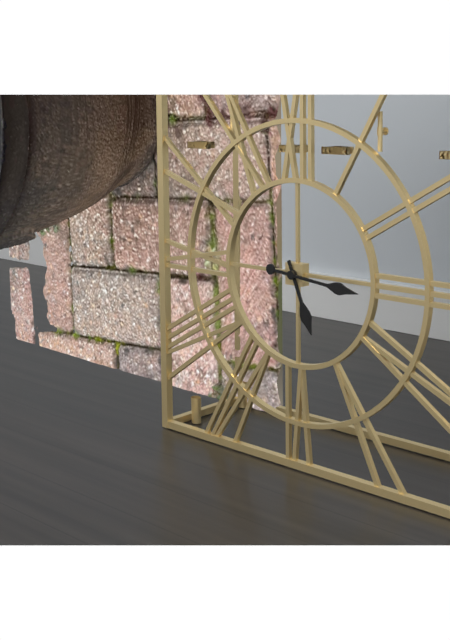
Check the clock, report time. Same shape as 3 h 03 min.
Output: 5 h 16 min
